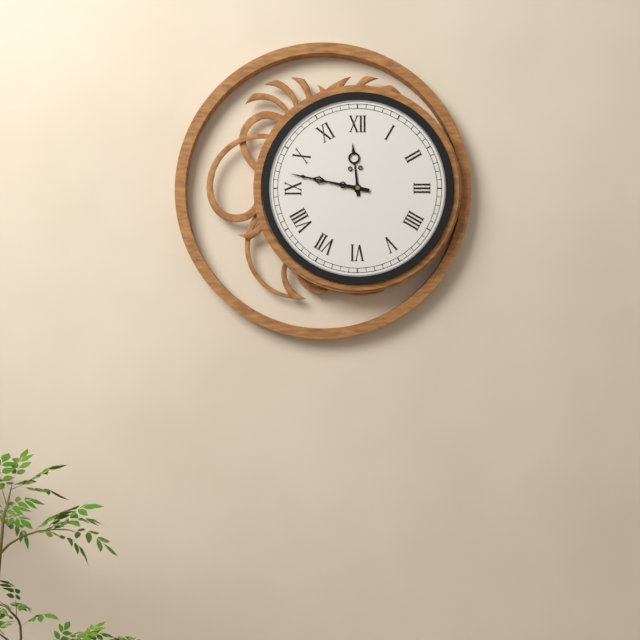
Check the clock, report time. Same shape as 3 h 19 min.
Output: 11 h 47 min
